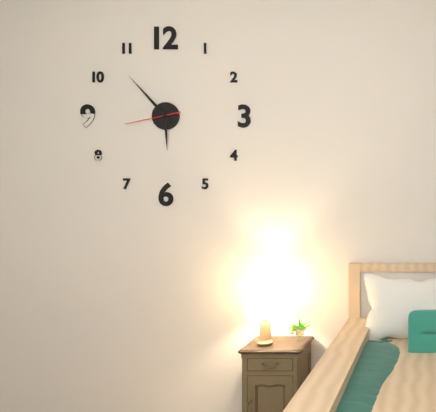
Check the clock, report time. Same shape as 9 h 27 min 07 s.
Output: 5 h 53 min 43 s
